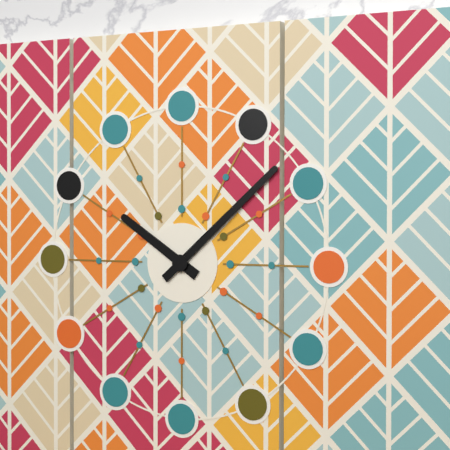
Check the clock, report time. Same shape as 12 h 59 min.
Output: 10 h 08 min
